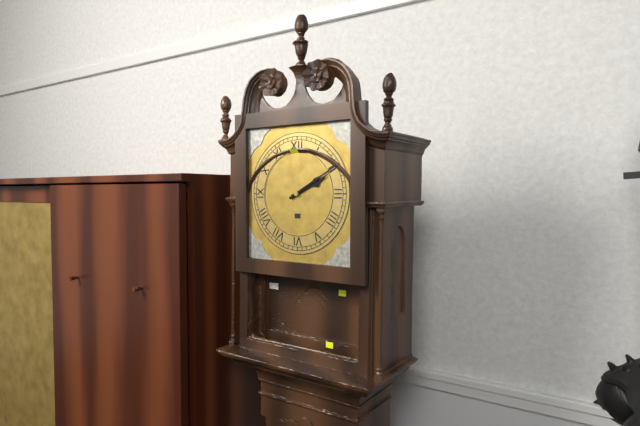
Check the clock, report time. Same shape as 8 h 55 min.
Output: 2 h 10 min
